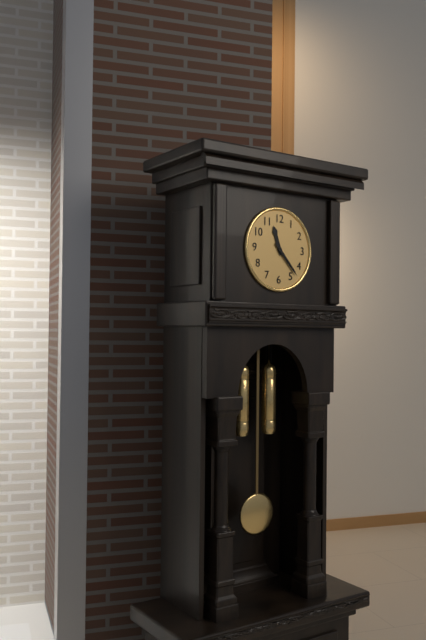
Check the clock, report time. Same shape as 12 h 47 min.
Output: 11 h 23 min
